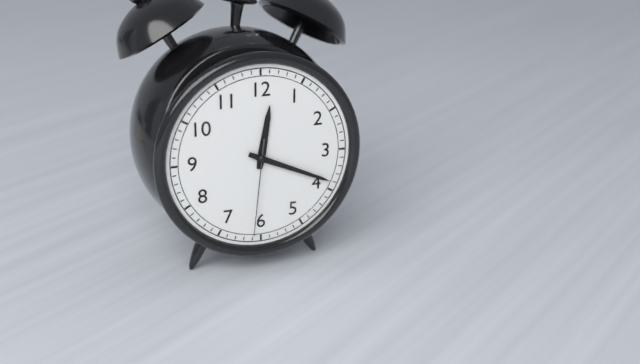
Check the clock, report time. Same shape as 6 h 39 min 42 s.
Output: 12 h 19 min 31 s
